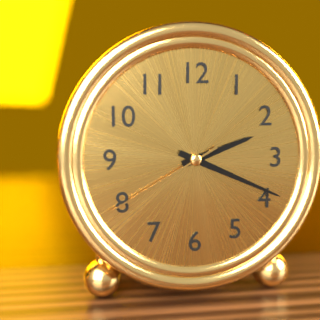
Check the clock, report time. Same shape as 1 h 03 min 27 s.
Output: 2 h 19 min 40 s
